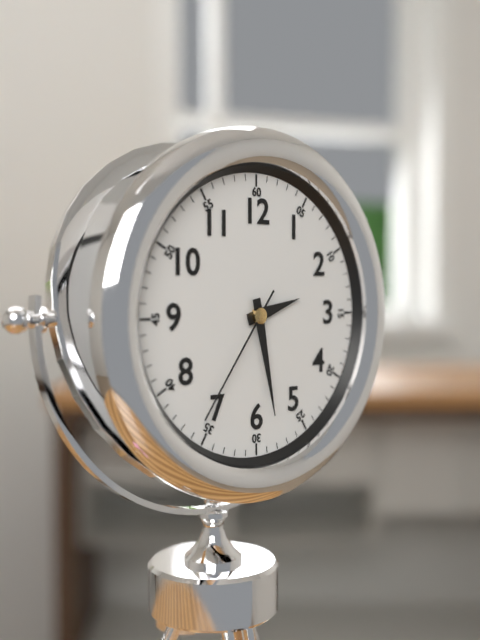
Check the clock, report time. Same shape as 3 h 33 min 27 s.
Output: 2 h 28 min 36 s
